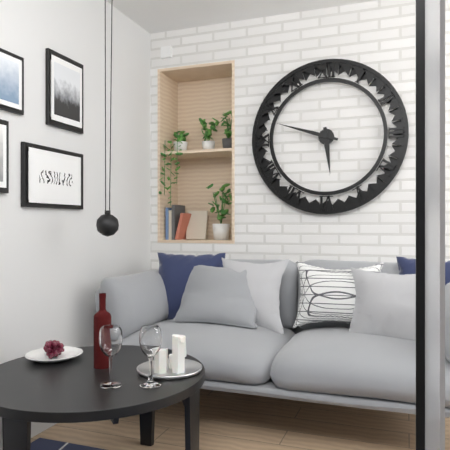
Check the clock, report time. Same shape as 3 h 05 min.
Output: 5 h 48 min
